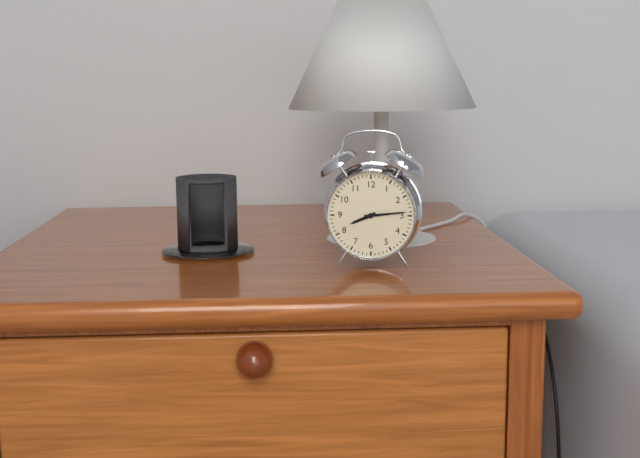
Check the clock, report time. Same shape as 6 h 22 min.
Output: 8 h 14 min
